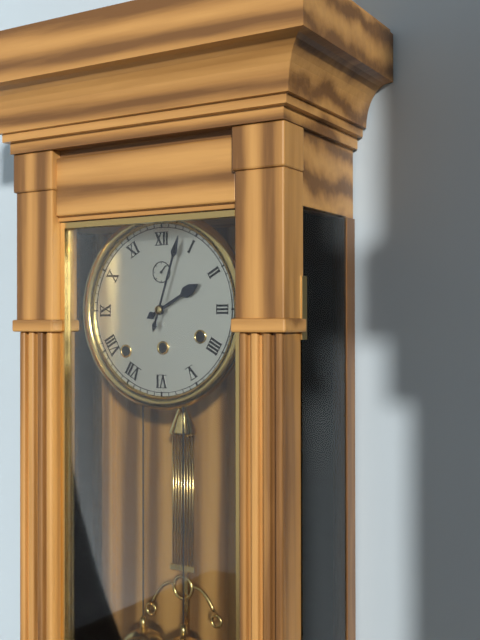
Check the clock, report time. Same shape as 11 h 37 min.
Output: 2 h 03 min
